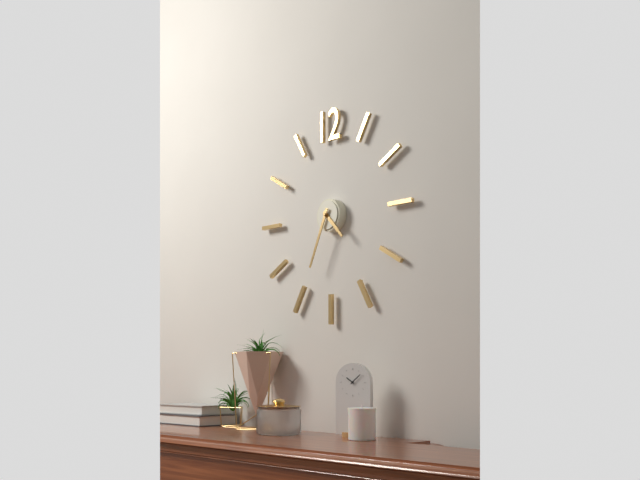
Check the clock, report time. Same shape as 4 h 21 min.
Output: 4 h 34 min
